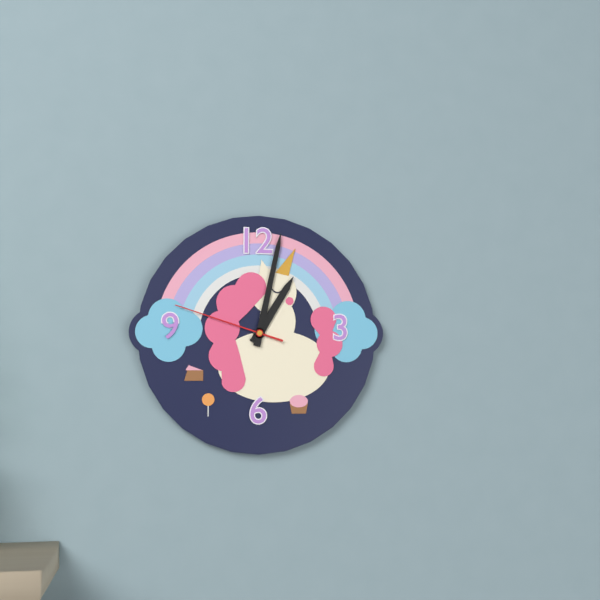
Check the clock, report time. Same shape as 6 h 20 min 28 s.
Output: 1 h 02 min 48 s
